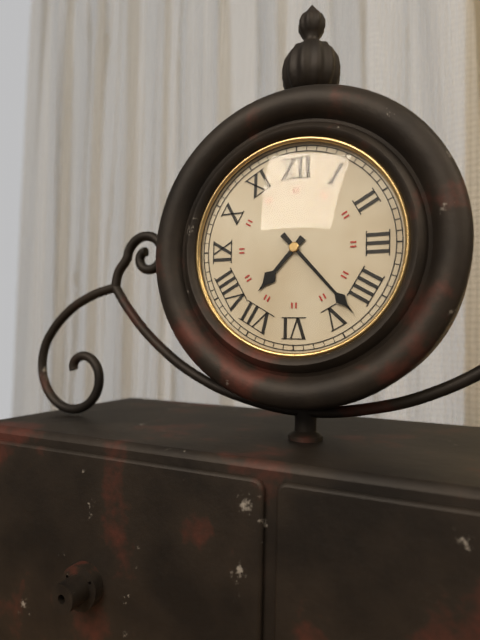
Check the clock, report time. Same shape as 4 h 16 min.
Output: 7 h 23 min
